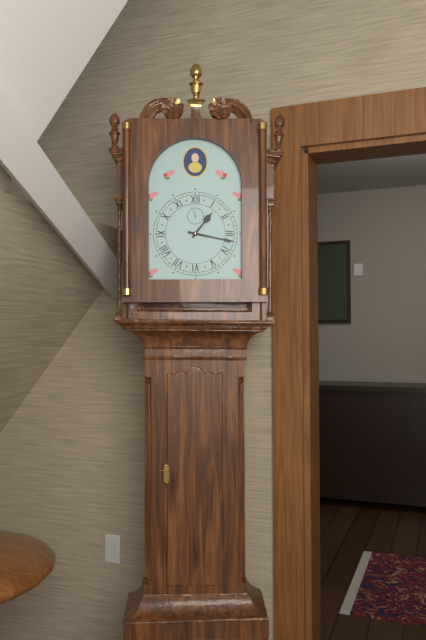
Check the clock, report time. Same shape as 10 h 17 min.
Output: 1 h 17 min
